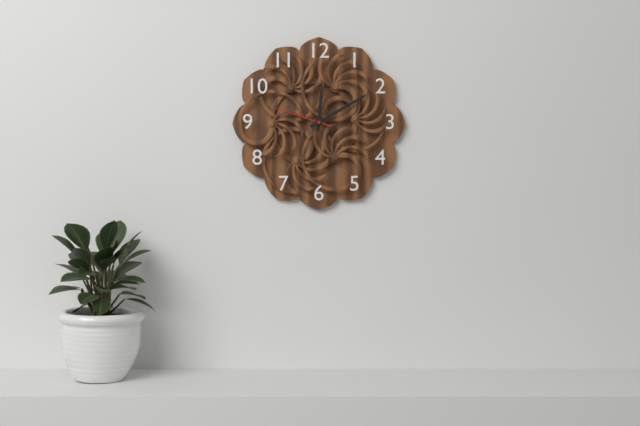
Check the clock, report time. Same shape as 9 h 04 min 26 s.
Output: 12 h 10 min 48 s
